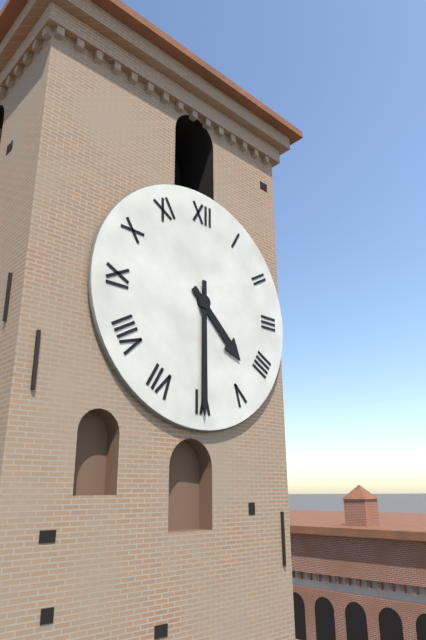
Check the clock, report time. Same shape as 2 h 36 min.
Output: 4 h 30 min
